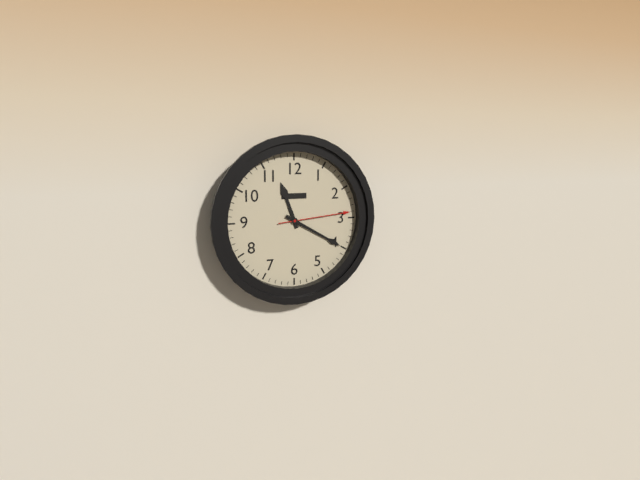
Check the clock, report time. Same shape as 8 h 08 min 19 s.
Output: 11 h 20 min 14 s
